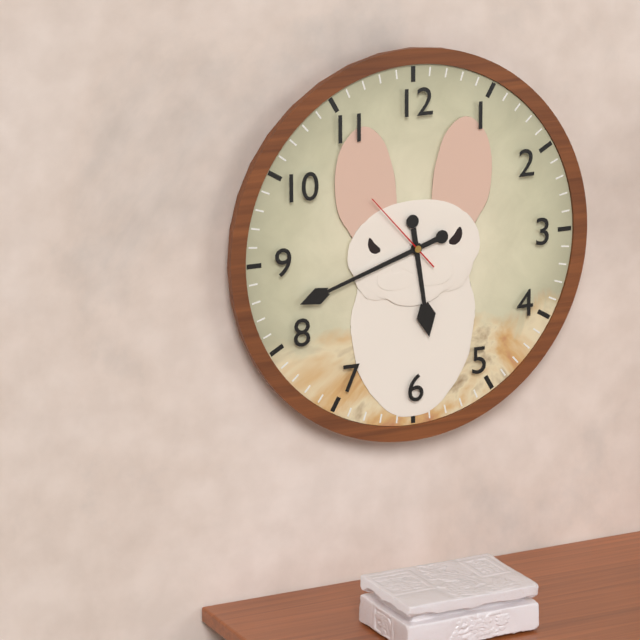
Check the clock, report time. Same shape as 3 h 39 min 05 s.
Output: 5 h 42 min 53 s
